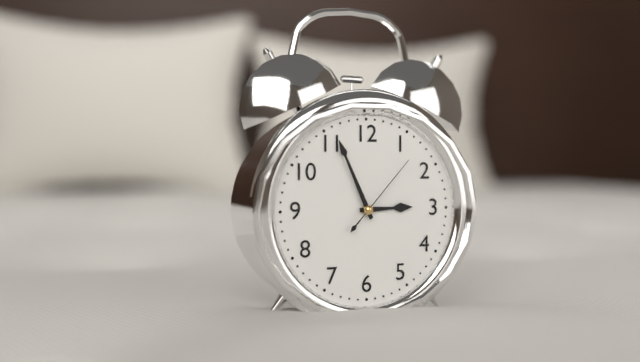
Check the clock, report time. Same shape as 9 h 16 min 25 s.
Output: 2 h 56 min 07 s
